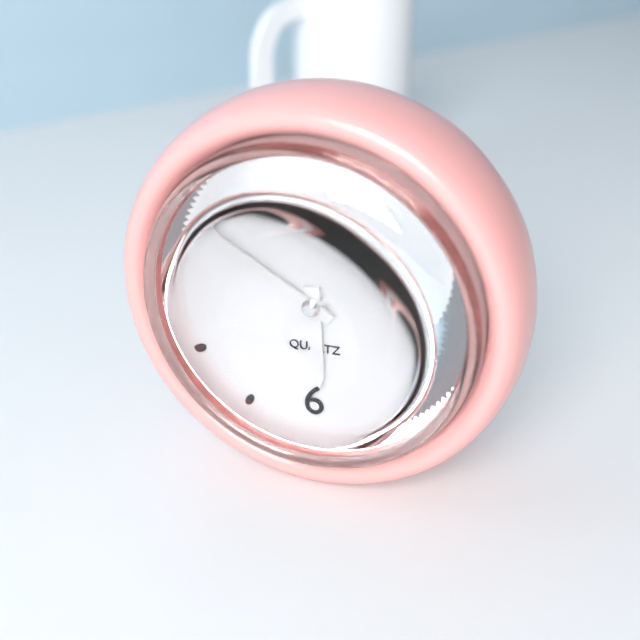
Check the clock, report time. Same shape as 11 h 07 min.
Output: 5 h 50 min
